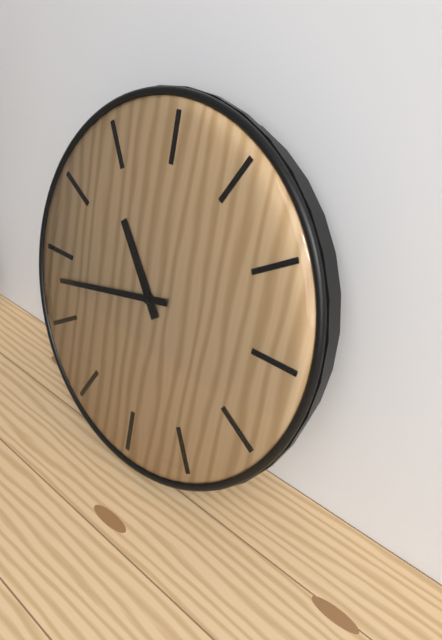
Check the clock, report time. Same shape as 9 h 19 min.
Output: 10 h 43 min
